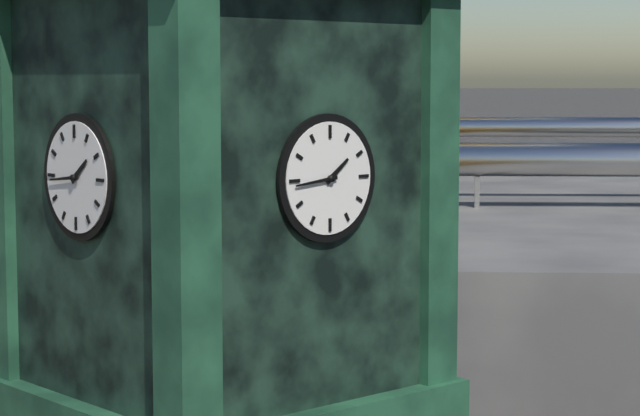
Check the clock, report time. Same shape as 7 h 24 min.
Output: 1 h 44 min
